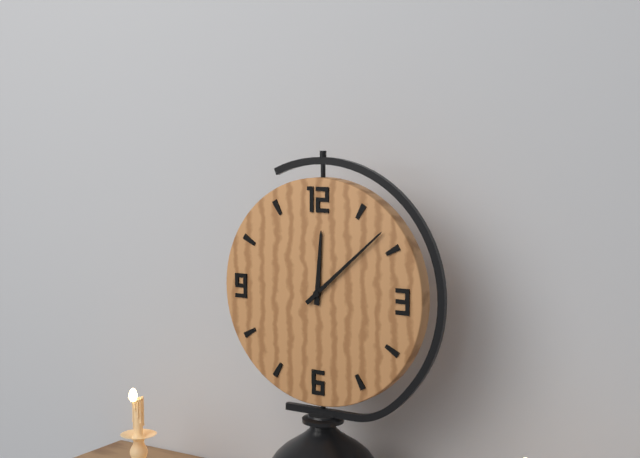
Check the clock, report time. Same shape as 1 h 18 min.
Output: 12 h 08 min
